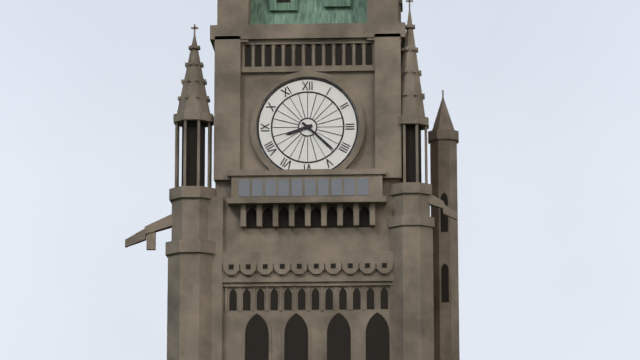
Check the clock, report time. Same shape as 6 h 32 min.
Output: 8 h 22 min
